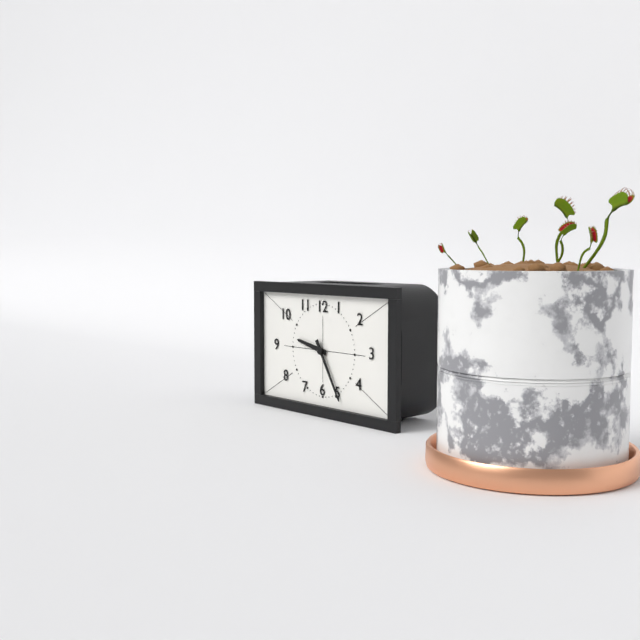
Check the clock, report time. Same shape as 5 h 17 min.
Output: 9 h 25 min
